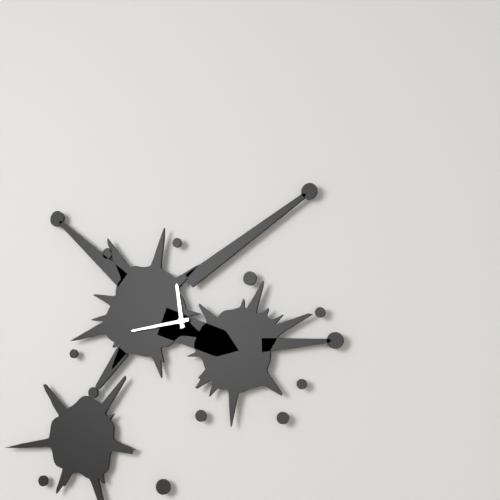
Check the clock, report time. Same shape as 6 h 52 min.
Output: 11 h 44 min
